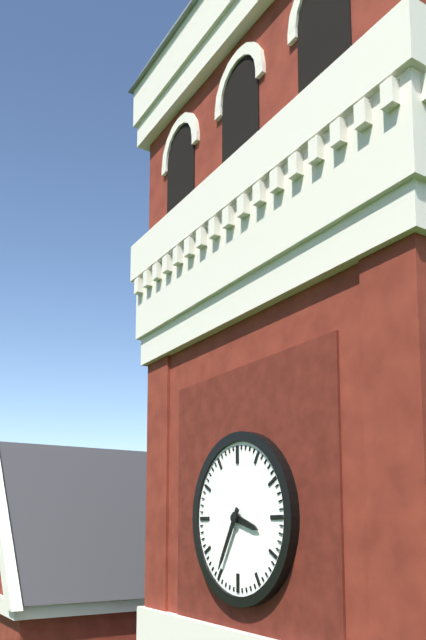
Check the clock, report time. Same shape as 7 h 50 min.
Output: 3 h 35 min
